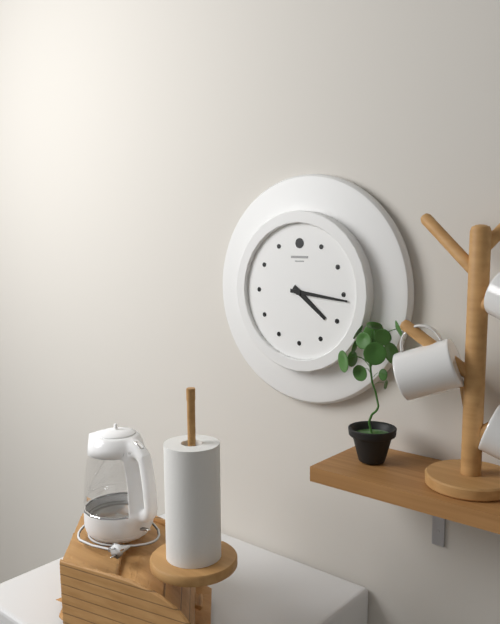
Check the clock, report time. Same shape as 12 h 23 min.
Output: 4 h 16 min
